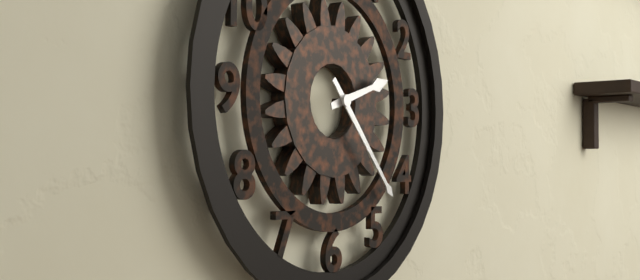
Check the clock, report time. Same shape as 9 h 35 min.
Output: 2 h 23 min
